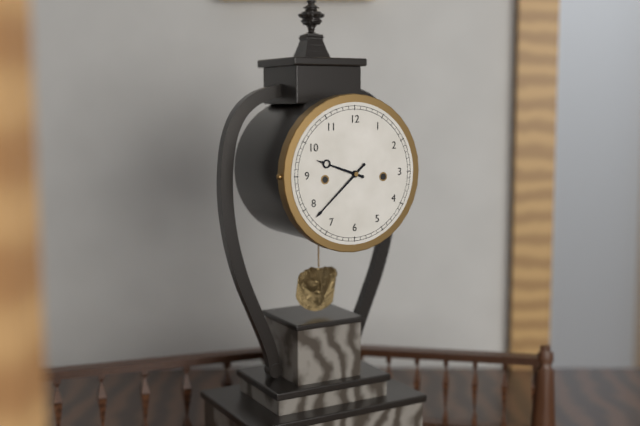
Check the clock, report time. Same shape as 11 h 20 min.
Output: 9 h 38 min
